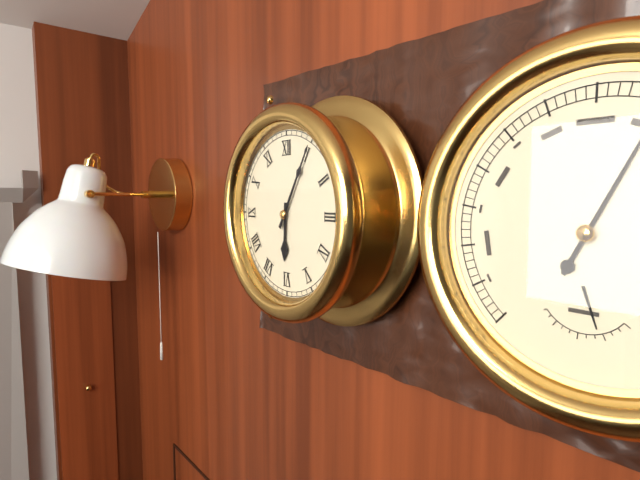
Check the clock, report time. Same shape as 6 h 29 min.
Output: 6 h 05 min
